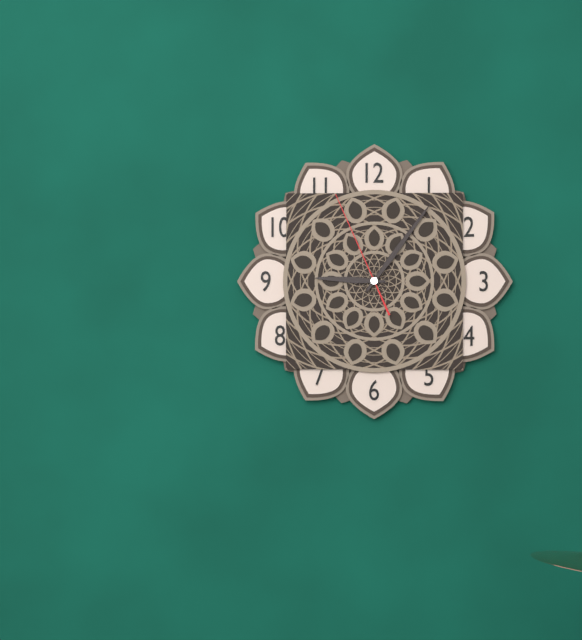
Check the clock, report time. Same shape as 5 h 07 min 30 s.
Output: 9 h 06 min 56 s
